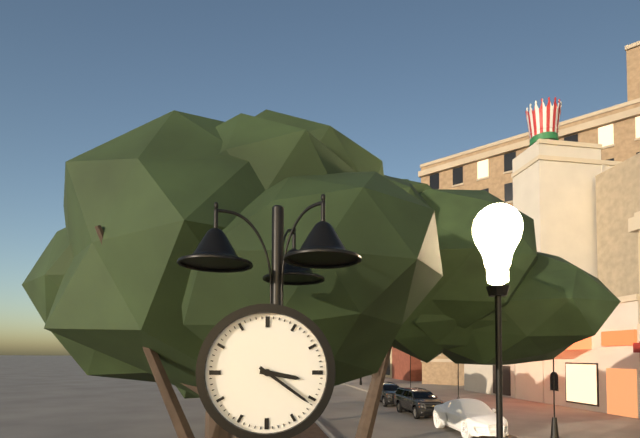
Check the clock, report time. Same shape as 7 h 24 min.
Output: 3 h 21 min
